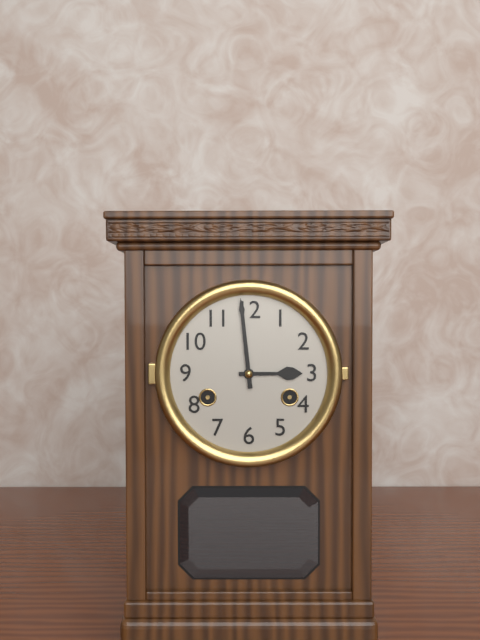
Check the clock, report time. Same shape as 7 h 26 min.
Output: 2 h 59 min
